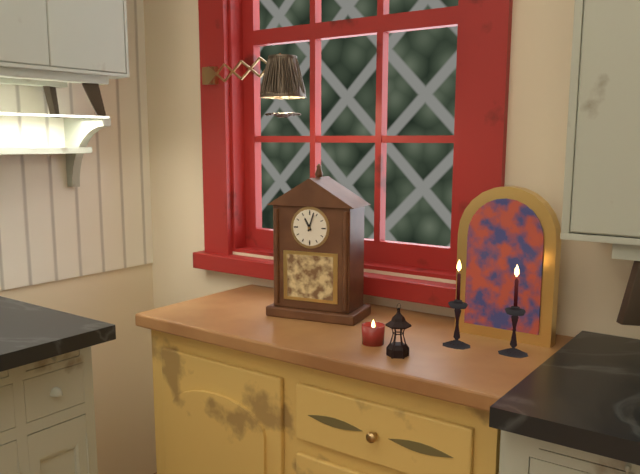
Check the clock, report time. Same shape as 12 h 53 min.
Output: 11 h 03 min
